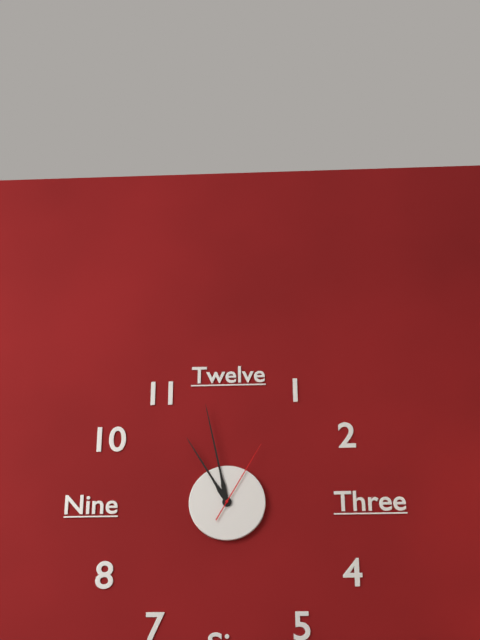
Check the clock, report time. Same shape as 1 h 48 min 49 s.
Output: 10 h 58 min 05 s
